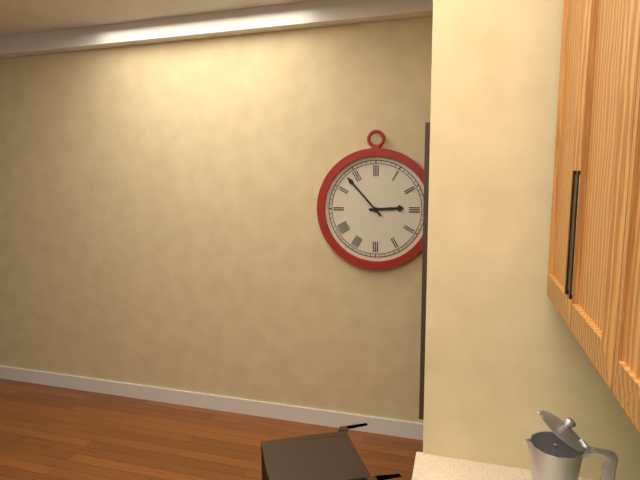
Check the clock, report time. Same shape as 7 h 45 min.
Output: 2 h 53 min
